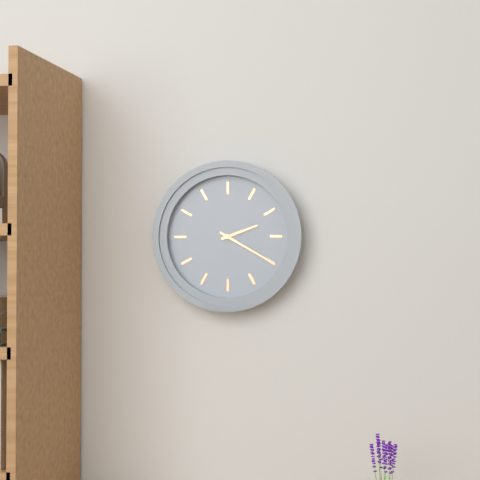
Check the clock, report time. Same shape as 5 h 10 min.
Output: 2 h 20 min
